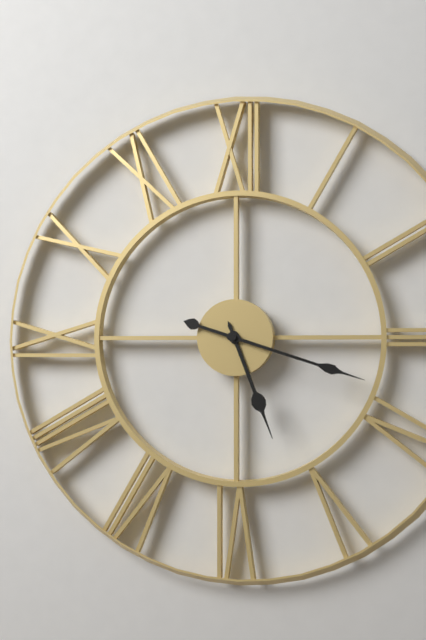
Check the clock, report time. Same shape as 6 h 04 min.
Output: 5 h 18 min
